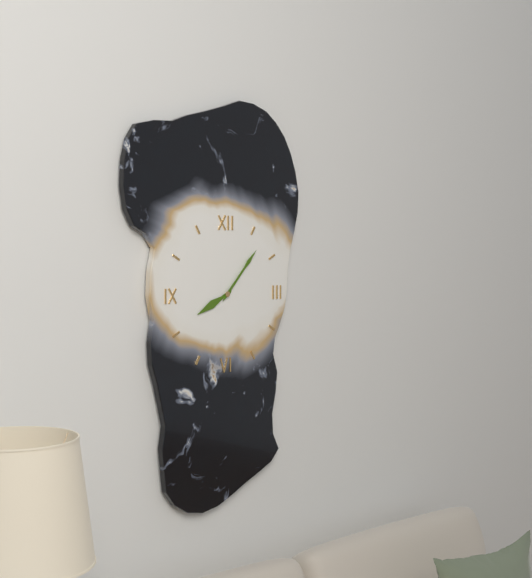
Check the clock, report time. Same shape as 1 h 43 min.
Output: 8 h 07 min
